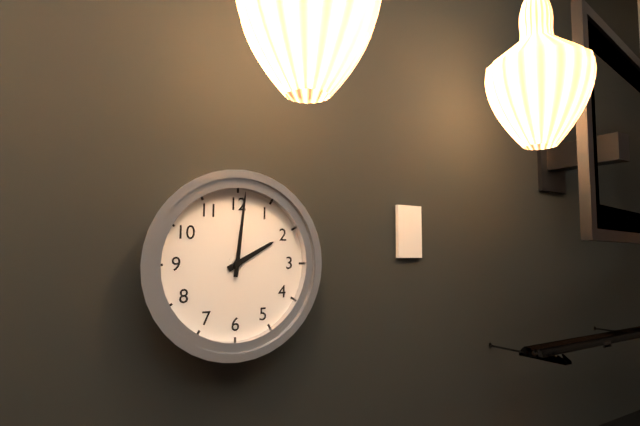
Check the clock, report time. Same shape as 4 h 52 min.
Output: 2 h 01 min
